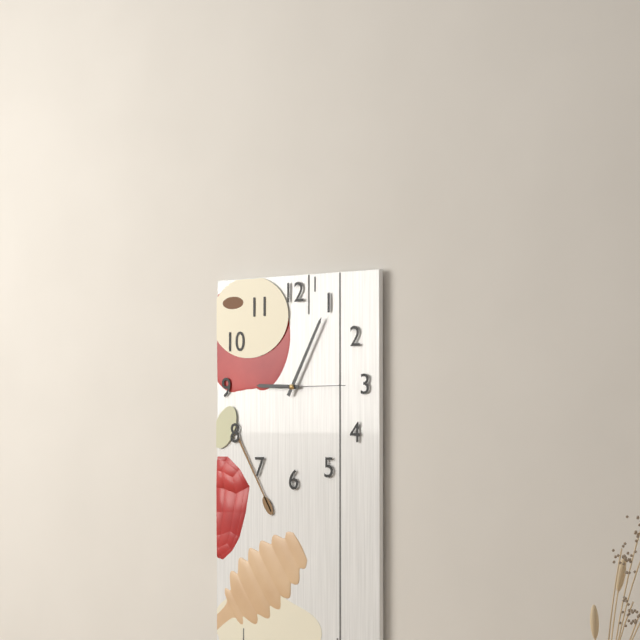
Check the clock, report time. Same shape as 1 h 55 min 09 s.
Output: 9 h 05 min 15 s
